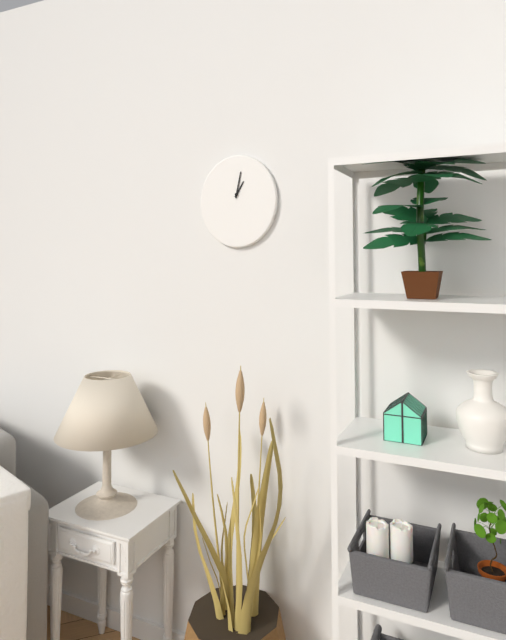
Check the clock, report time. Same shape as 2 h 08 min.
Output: 1 h 02 min
